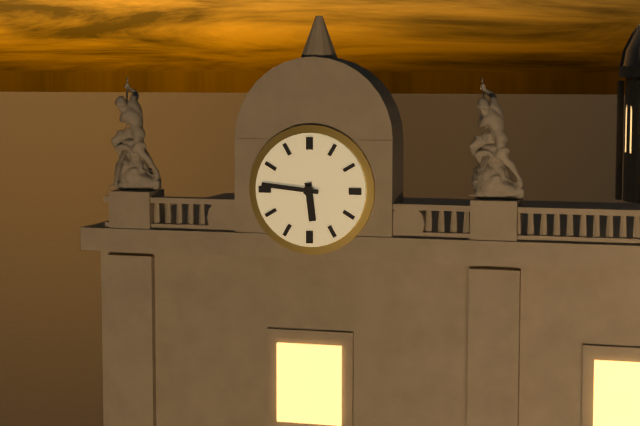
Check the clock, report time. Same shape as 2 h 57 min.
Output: 5 h 46 min
